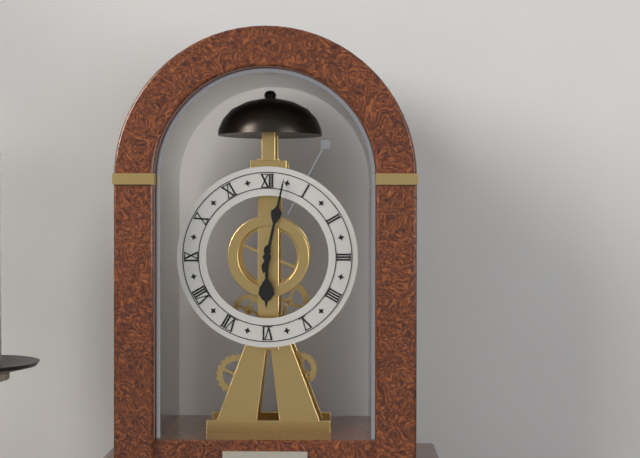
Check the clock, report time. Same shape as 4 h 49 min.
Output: 6 h 02 min
